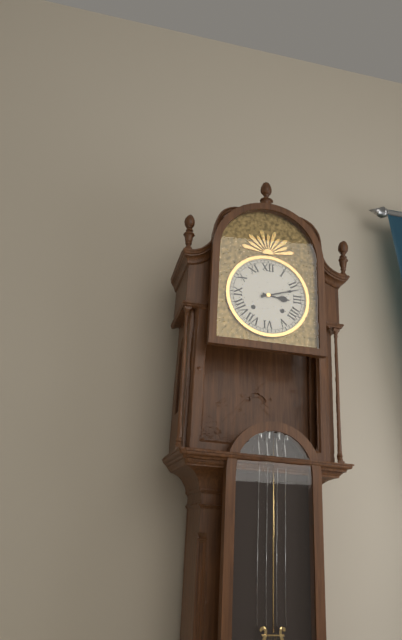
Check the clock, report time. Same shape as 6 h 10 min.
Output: 3 h 12 min
